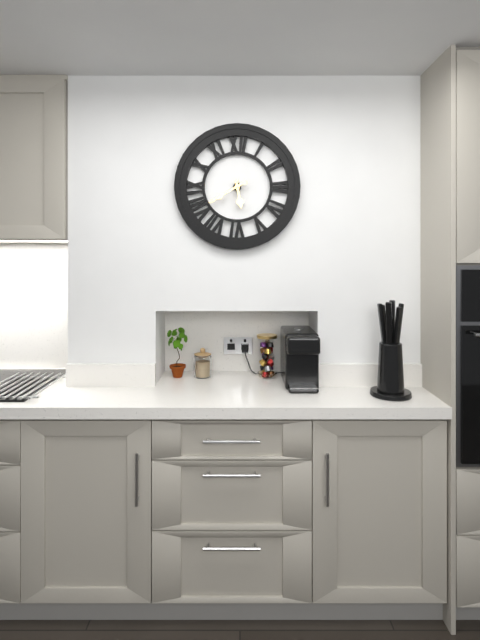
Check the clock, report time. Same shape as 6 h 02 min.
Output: 5 h 40 min
